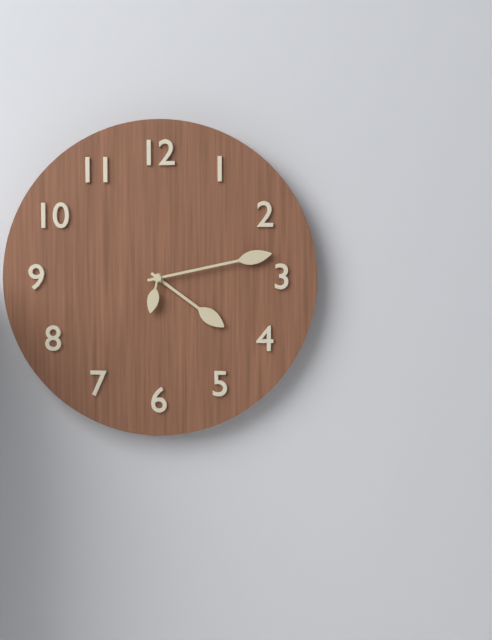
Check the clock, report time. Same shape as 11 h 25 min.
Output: 4 h 13 min
